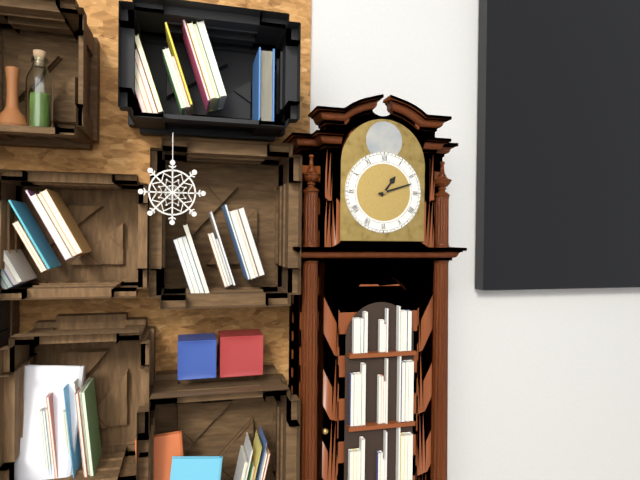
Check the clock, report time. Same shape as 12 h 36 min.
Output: 1 h 12 min
